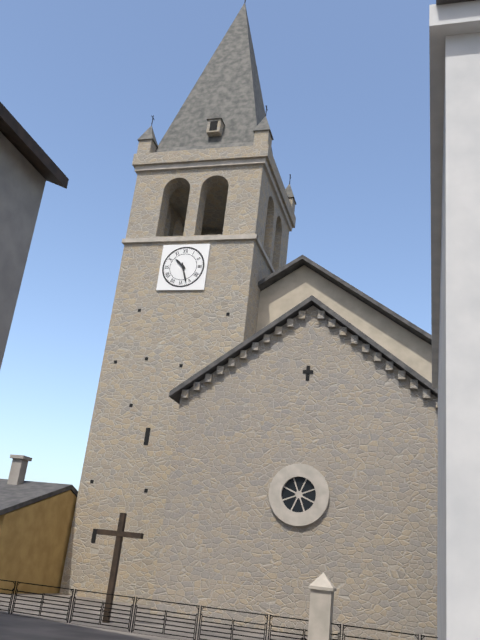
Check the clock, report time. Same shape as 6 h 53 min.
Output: 10 h 27 min
